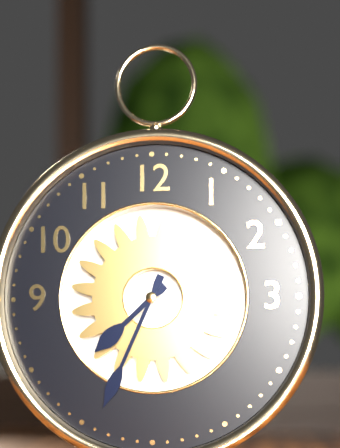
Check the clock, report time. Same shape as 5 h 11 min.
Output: 7 h 34 min
